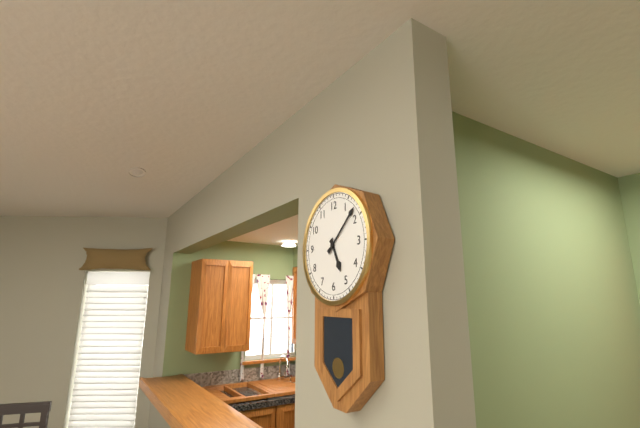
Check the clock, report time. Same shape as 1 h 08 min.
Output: 5 h 08 min
